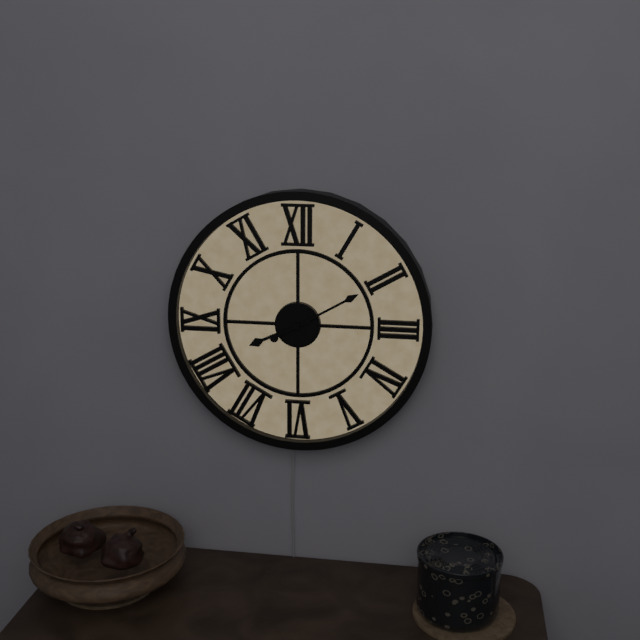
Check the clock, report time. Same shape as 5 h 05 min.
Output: 8 h 10 min
